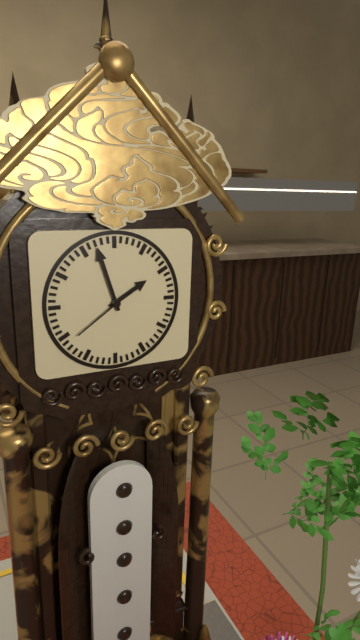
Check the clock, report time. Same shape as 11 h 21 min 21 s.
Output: 1 h 57 min 39 s
